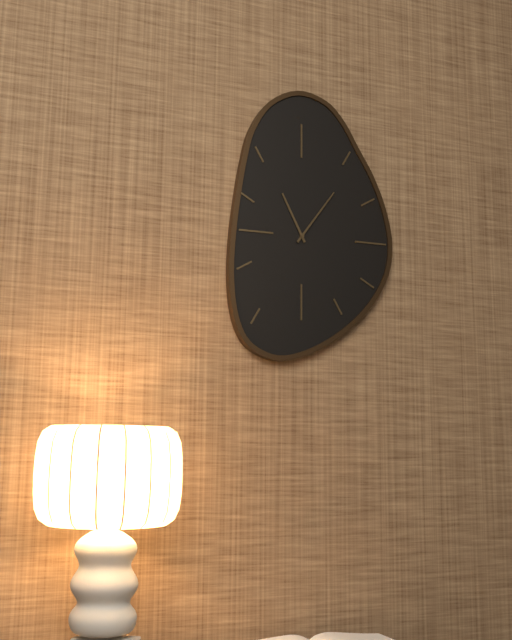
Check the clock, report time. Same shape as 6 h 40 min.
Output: 11 h 06 min
